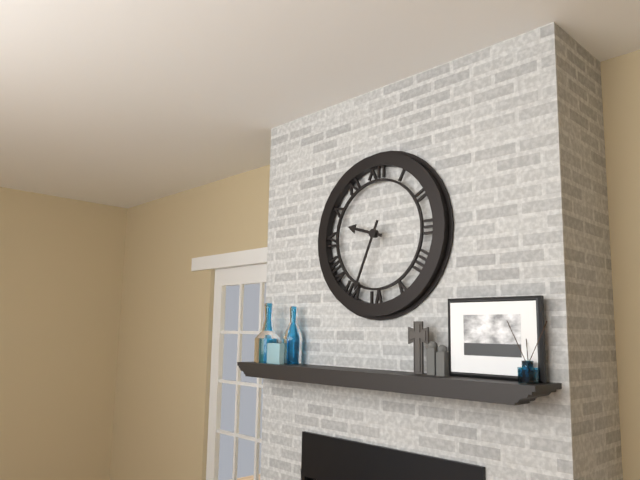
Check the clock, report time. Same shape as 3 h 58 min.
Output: 9 h 34 min
